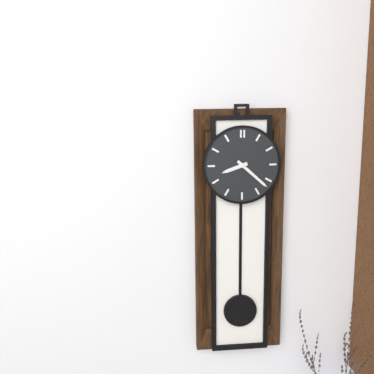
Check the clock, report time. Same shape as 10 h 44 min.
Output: 8 h 22 min
